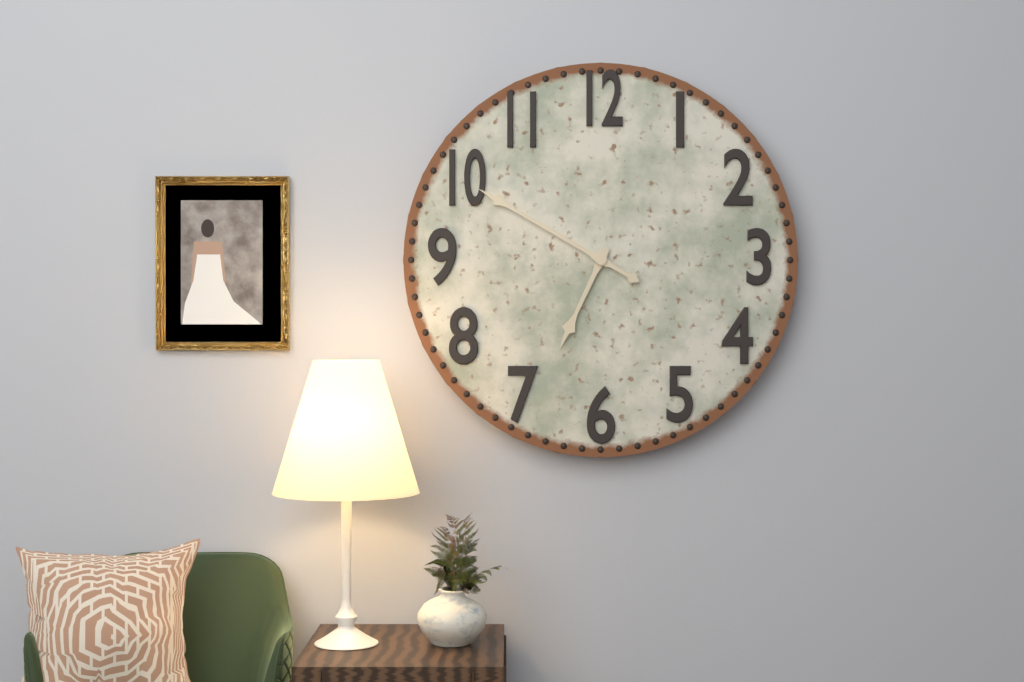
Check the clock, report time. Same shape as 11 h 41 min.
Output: 6 h 50 min
